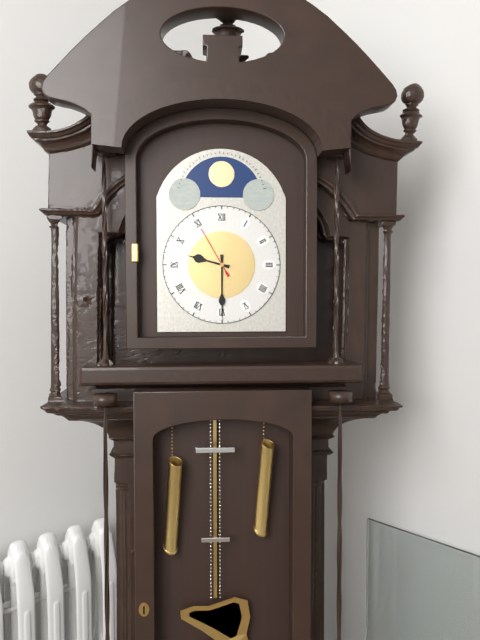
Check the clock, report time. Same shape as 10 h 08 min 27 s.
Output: 9 h 30 min 55 s
